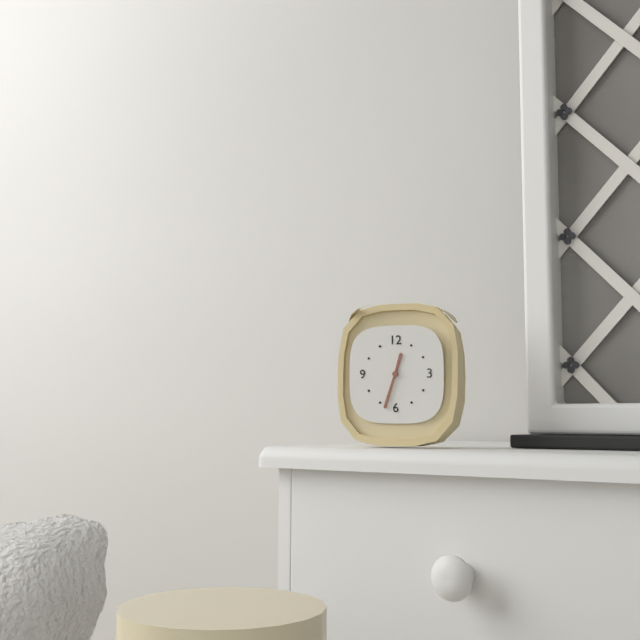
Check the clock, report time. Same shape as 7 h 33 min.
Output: 12 h 33 min
